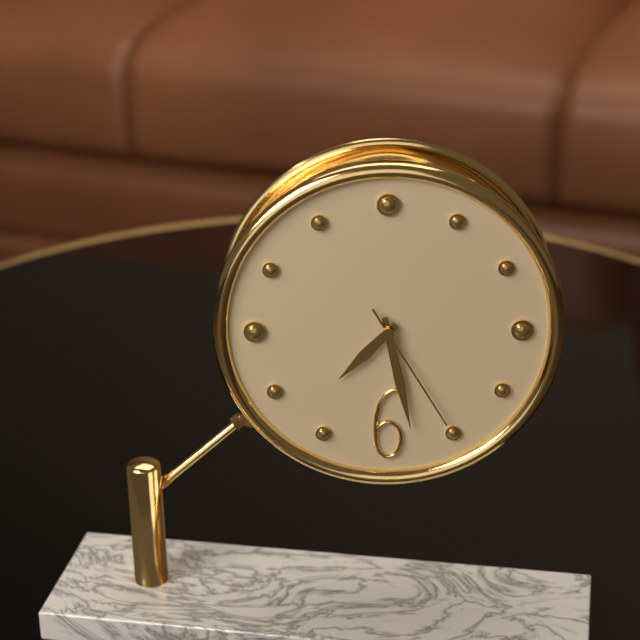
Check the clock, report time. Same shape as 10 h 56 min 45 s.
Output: 7 h 28 min 25 s
